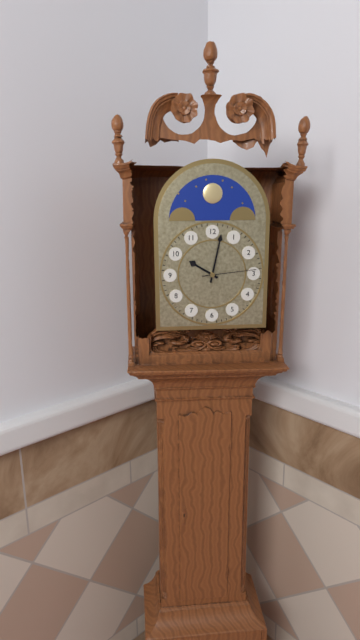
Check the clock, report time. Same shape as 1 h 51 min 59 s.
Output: 10 h 02 min 14 s
